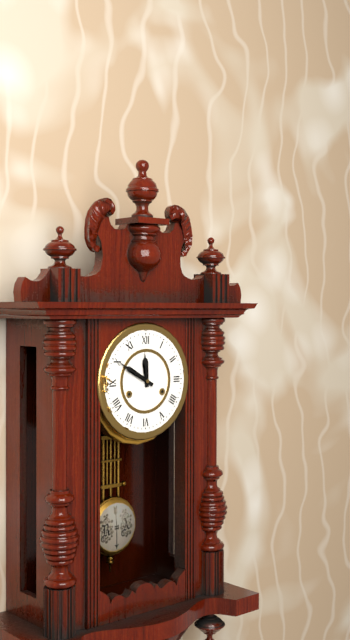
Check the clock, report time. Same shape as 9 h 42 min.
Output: 11 h 50 min
